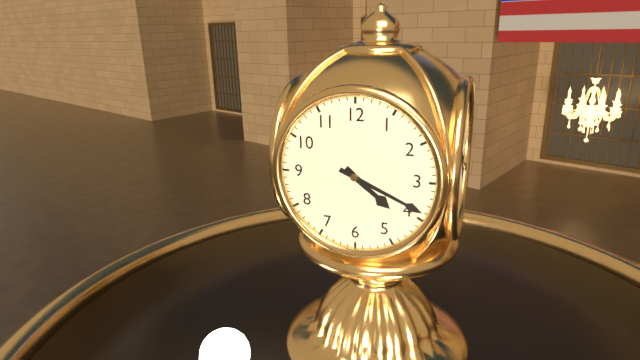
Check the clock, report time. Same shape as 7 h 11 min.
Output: 4 h 19 min
